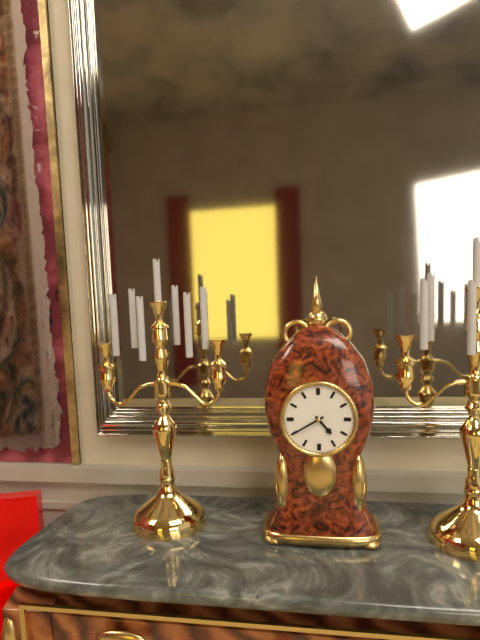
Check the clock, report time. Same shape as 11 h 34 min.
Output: 4 h 40 min
